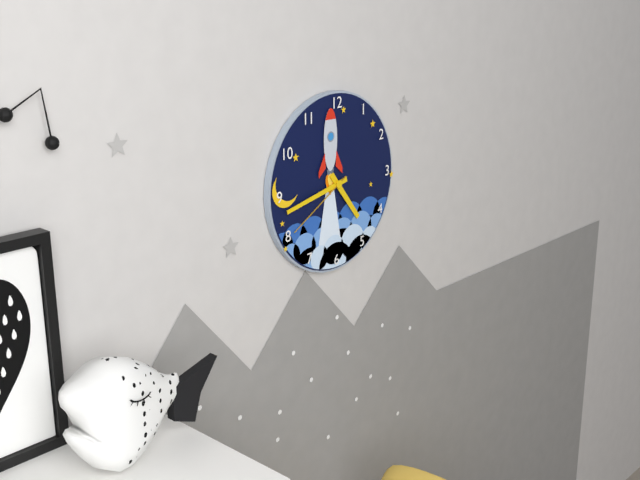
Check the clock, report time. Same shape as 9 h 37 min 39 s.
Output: 4 h 43 min 40 s
